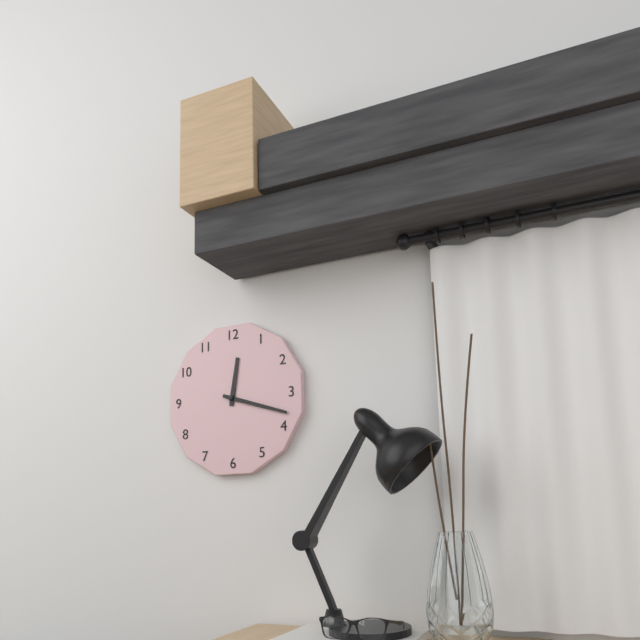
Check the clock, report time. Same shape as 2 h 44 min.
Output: 12 h 18 min
